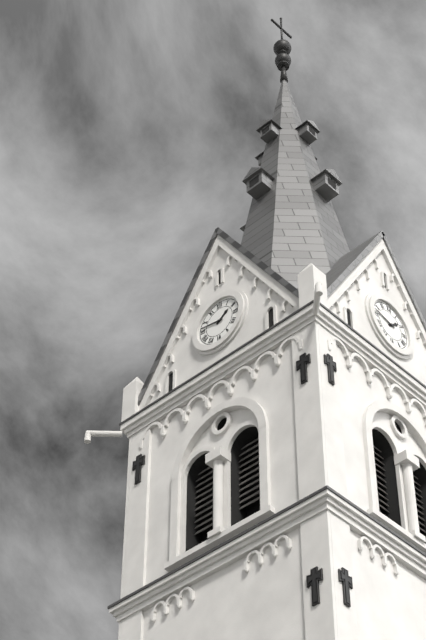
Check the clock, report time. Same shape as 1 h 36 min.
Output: 1 h 47 min
